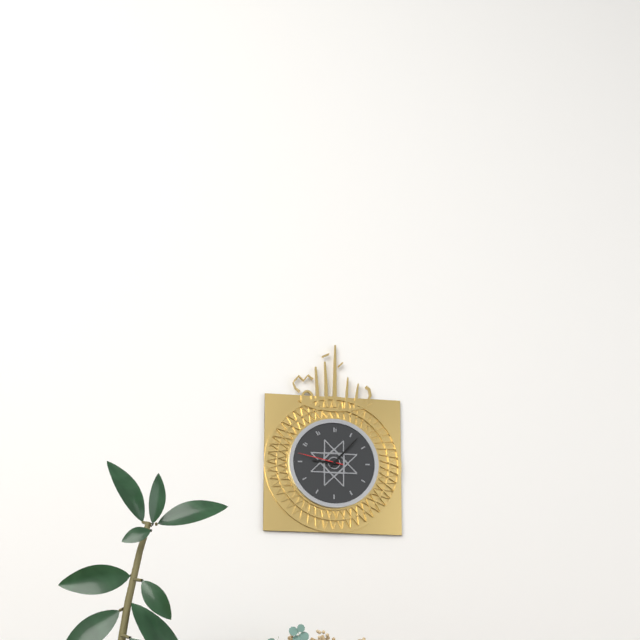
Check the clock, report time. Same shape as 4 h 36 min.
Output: 9 h 07 min
